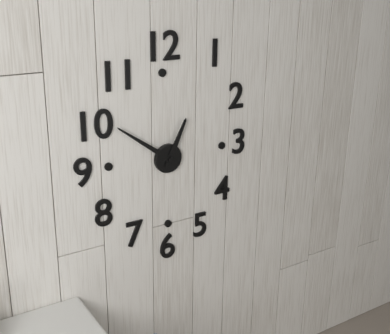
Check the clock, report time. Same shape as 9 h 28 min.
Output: 12 h 51 min
